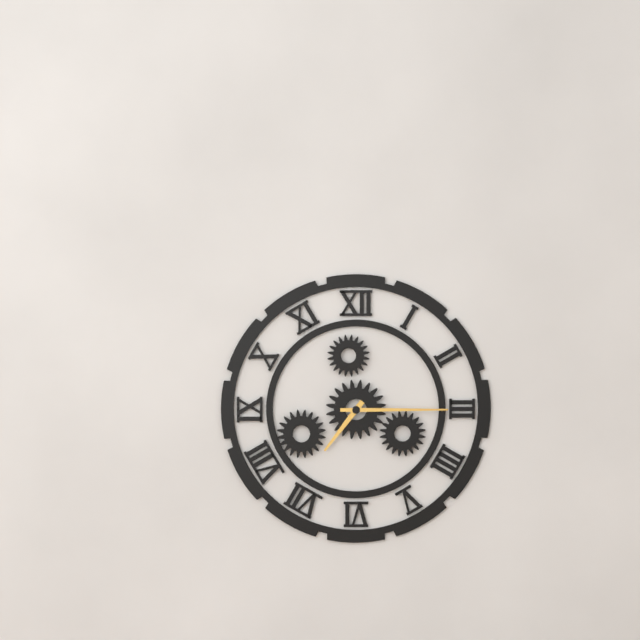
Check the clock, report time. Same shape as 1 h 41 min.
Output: 7 h 15 min
